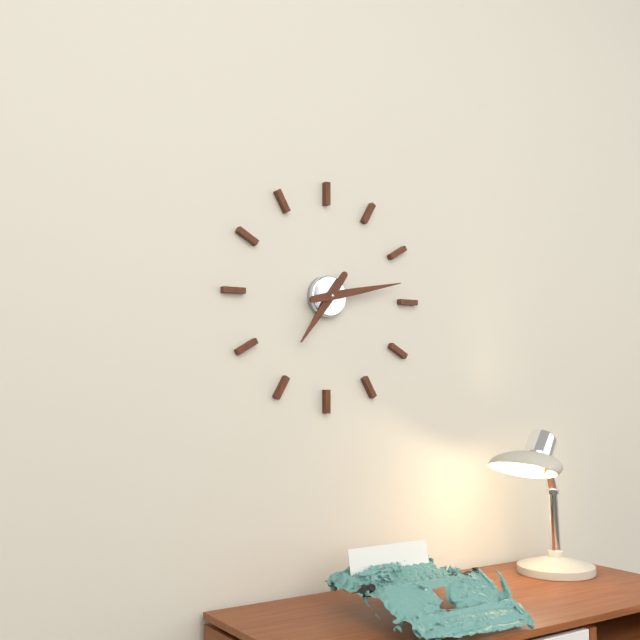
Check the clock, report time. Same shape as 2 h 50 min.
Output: 7 h 13 min
